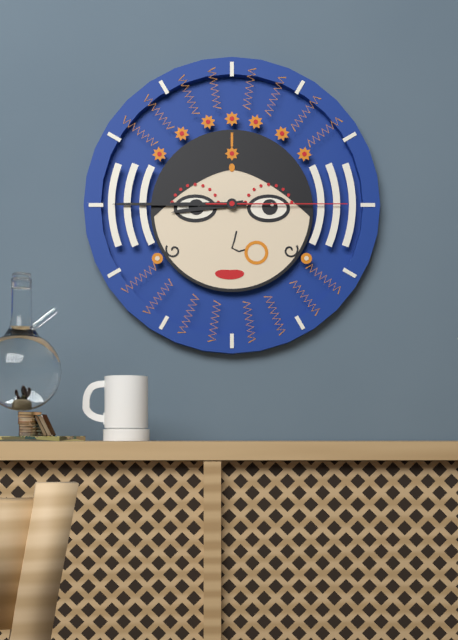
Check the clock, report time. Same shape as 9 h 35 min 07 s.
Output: 8 h 45 min 15 s
